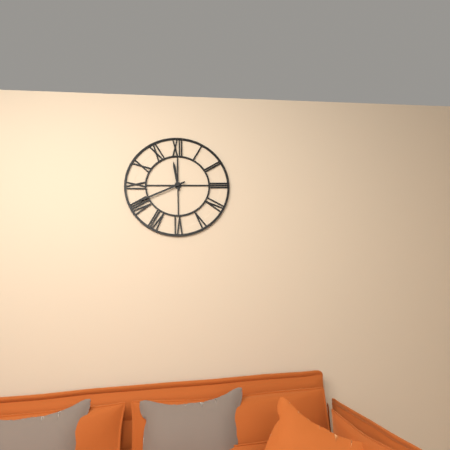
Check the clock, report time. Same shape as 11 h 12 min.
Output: 11 h 41 min
